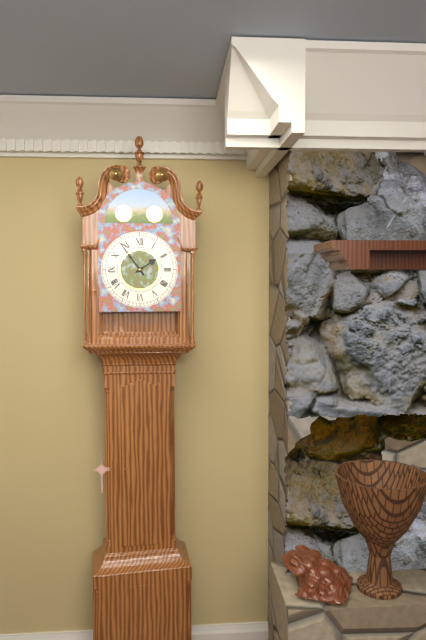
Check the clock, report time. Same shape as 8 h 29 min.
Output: 1 h 54 min
